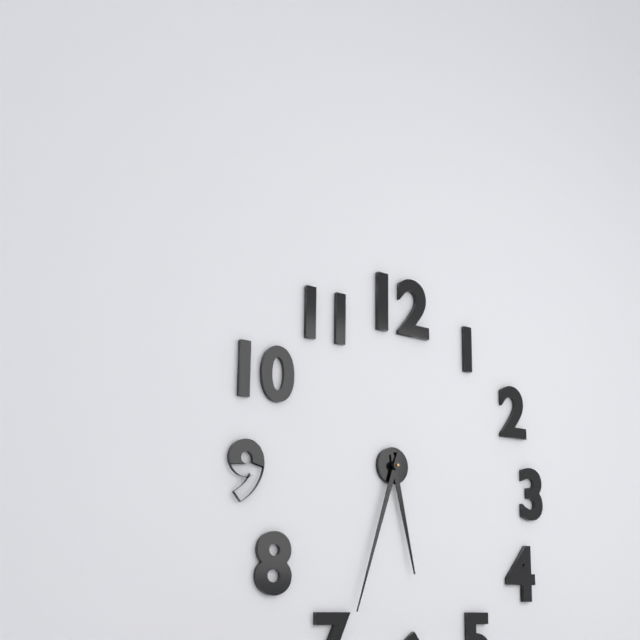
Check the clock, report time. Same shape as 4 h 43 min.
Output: 5 h 33 min
